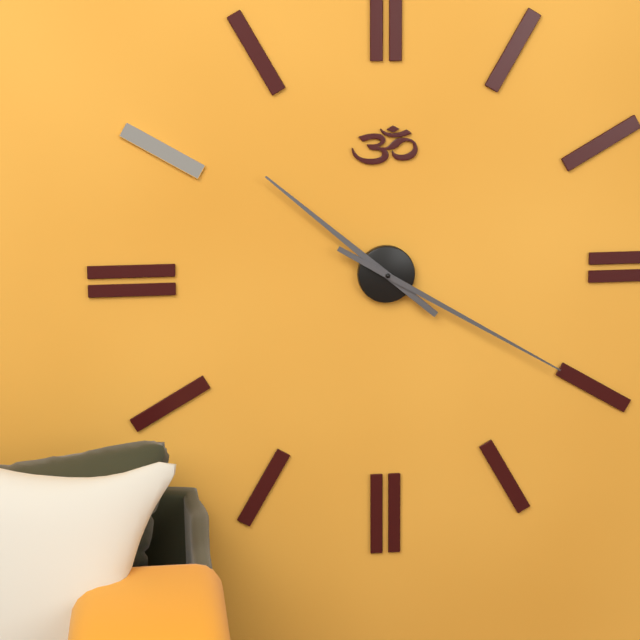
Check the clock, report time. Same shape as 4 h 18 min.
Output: 10 h 20 min
